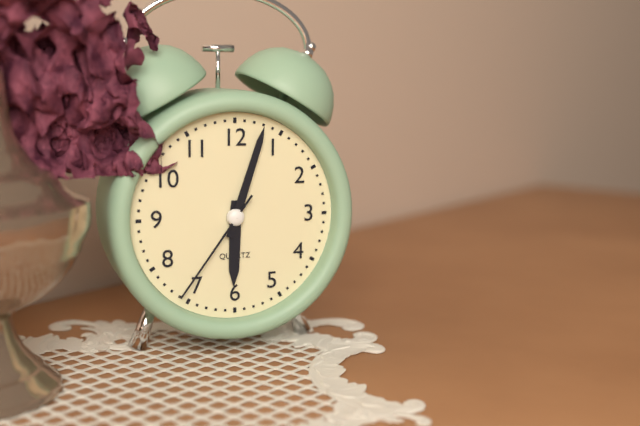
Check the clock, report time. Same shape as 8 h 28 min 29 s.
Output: 6 h 03 min 36 s
